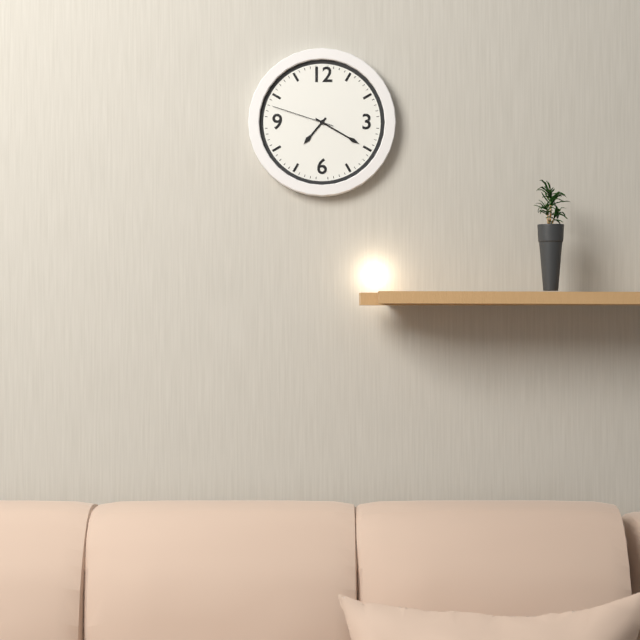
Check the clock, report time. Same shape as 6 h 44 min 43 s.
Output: 7 h 20 min 48 s
